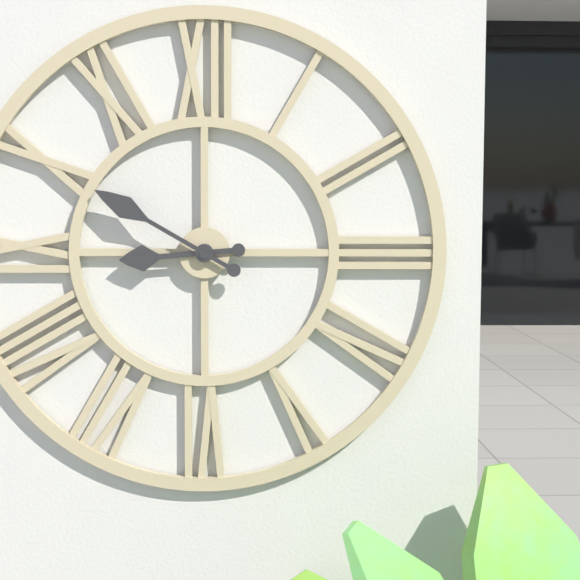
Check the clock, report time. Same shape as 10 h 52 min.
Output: 8 h 50 min
